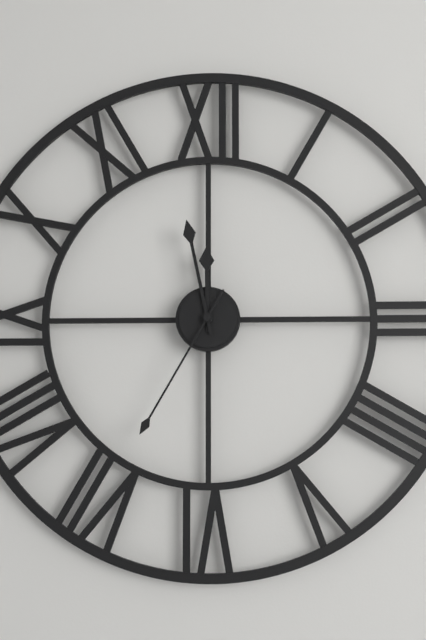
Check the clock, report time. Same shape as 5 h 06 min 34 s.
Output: 11 h 58 min 35 s
